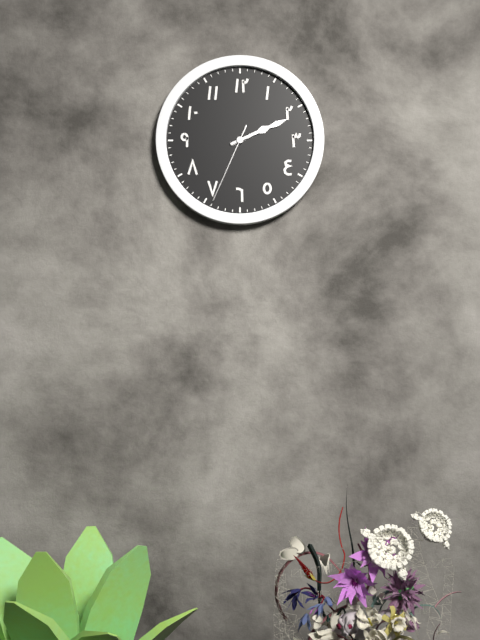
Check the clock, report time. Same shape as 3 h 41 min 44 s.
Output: 2 h 11 min 34 s
